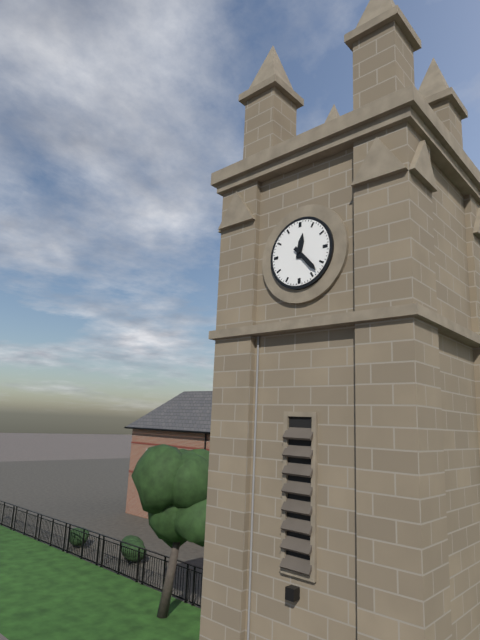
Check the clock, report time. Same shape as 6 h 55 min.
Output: 12 h 23 min
